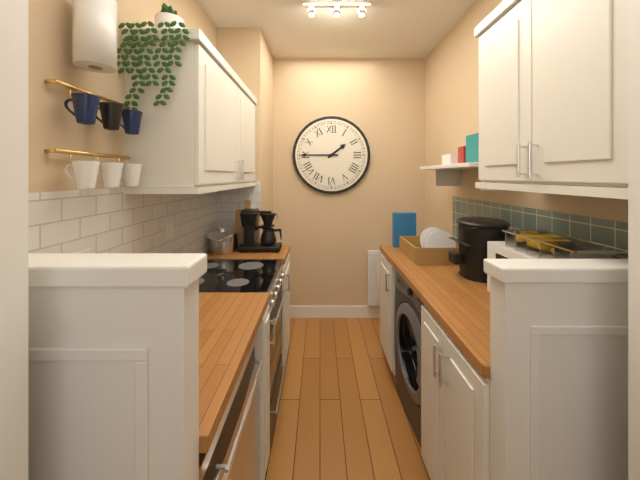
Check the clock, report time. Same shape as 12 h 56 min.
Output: 1 h 45 min
